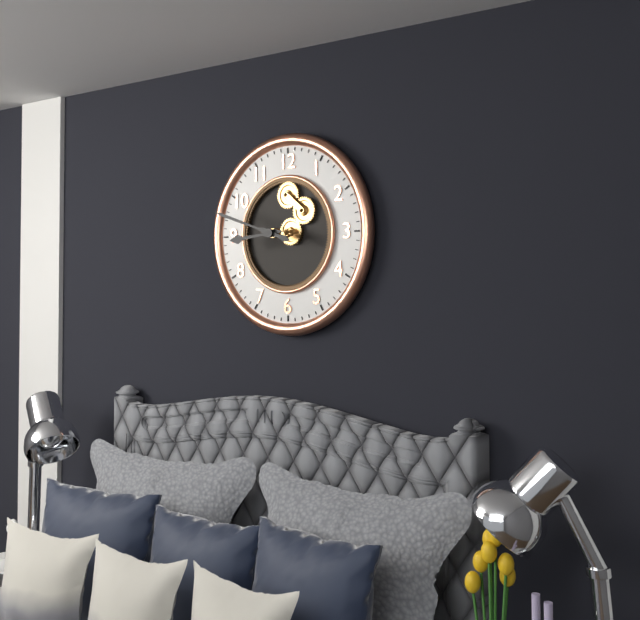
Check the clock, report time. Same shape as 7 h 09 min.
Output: 8 h 48 min
